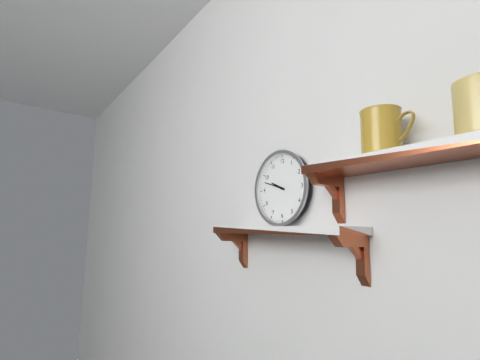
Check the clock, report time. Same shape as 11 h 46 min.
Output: 9 h 48 min
